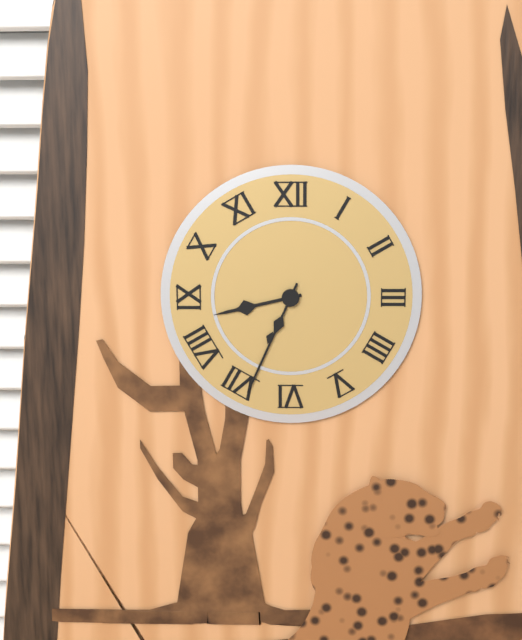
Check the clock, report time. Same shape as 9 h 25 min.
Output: 8 h 34 min
